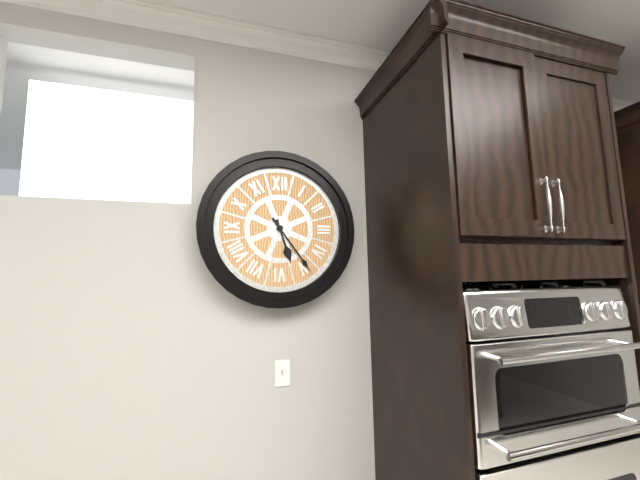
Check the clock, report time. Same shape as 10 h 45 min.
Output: 5 h 24 min
